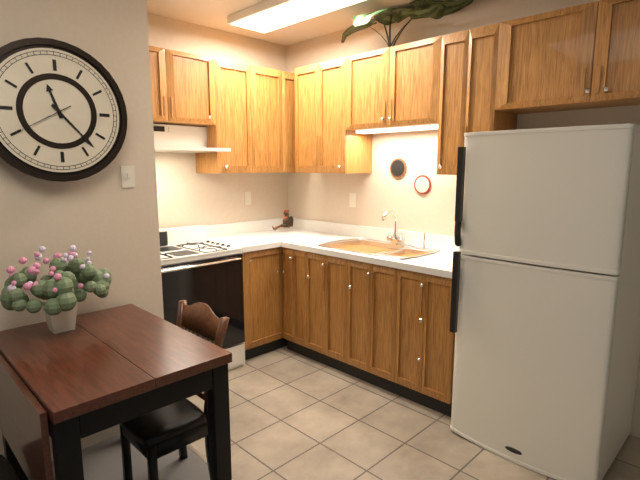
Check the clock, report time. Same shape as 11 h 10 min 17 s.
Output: 11 h 23 min 40 s
